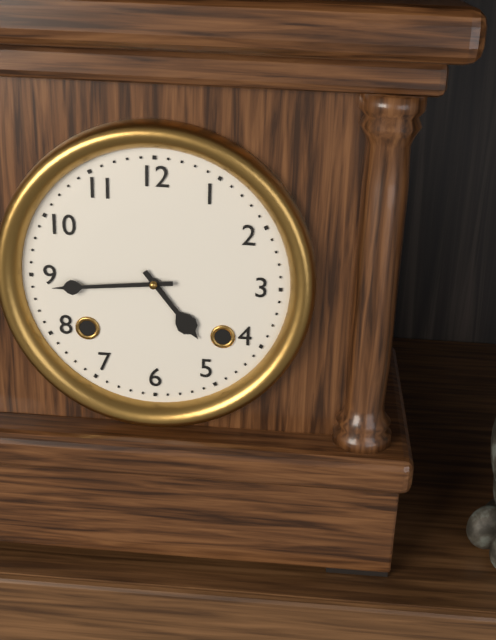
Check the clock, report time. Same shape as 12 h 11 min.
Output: 4 h 44 min
